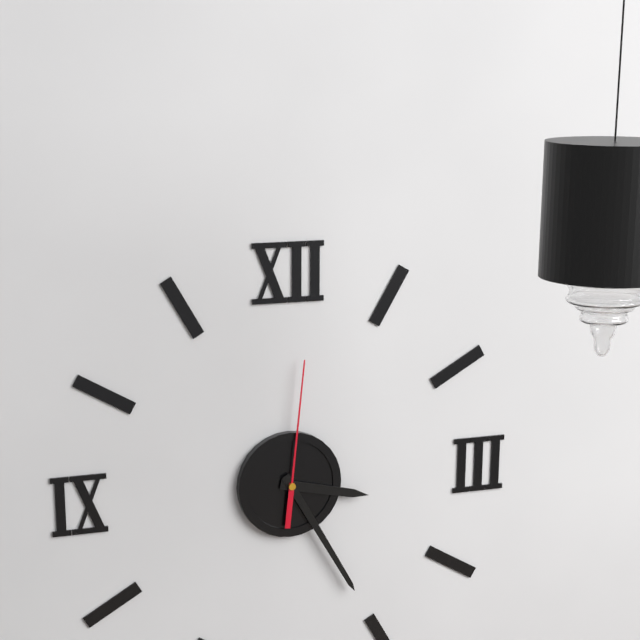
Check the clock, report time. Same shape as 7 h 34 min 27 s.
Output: 3 h 25 min 01 s
